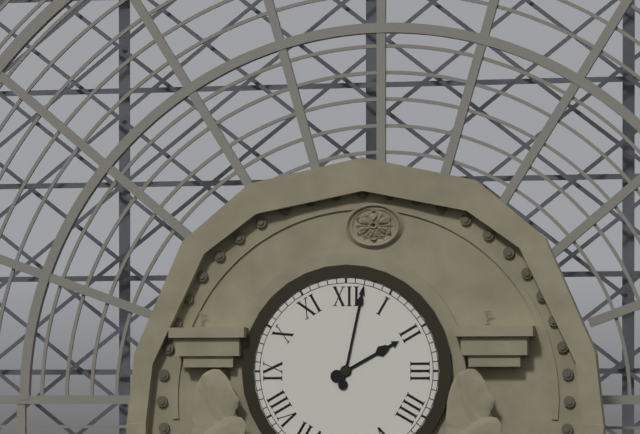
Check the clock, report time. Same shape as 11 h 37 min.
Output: 2 h 02 min
